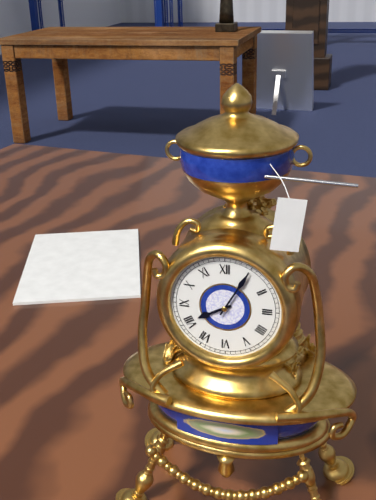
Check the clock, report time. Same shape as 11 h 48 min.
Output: 8 h 05 min
